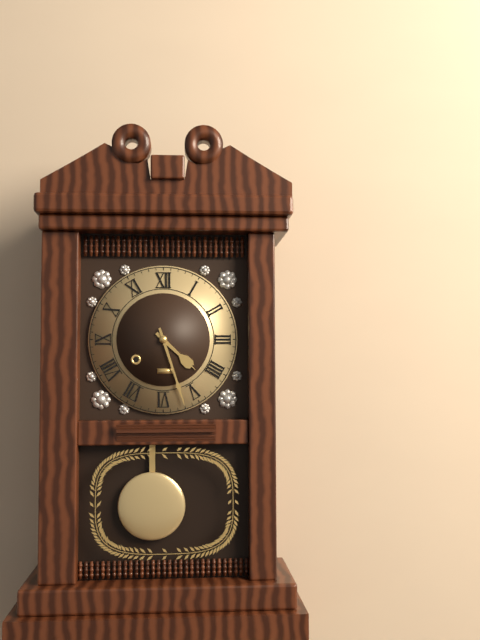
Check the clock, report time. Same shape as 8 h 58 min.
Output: 4 h 27 min
